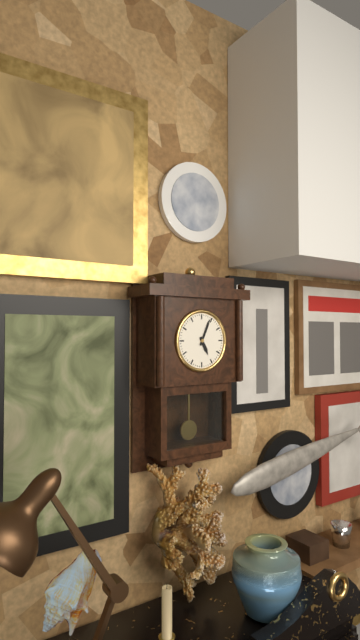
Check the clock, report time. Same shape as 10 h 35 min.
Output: 5 h 04 min
